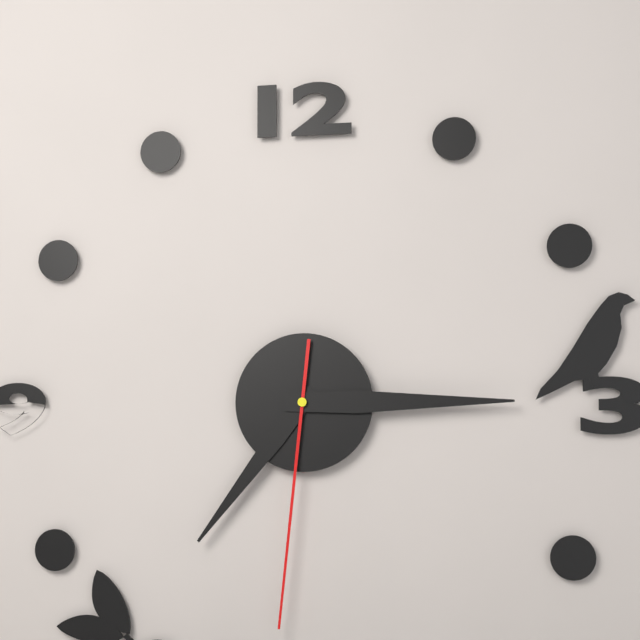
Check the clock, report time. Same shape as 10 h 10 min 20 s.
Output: 7 h 15 min 31 s
